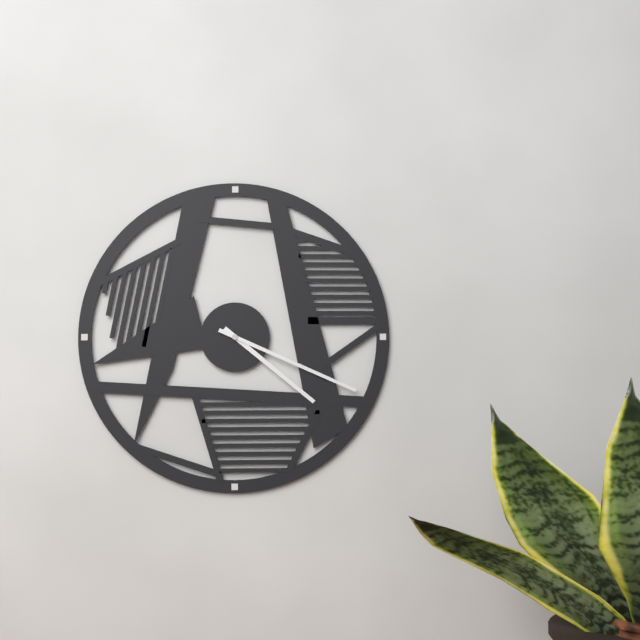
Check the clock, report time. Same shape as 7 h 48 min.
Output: 4 h 19 min
